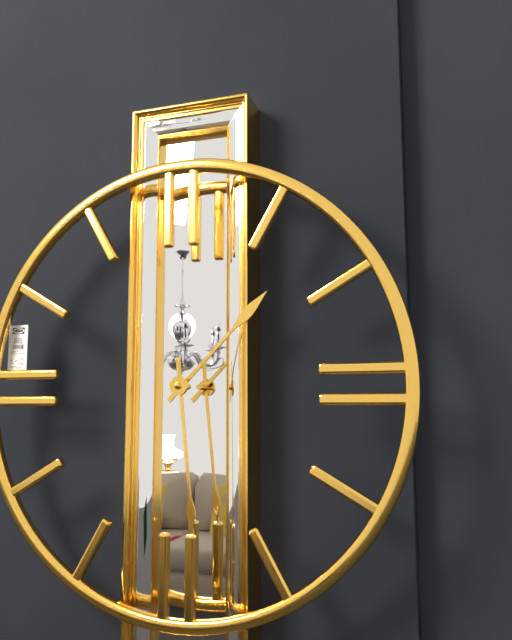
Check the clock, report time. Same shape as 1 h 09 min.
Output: 1 h 29 min
